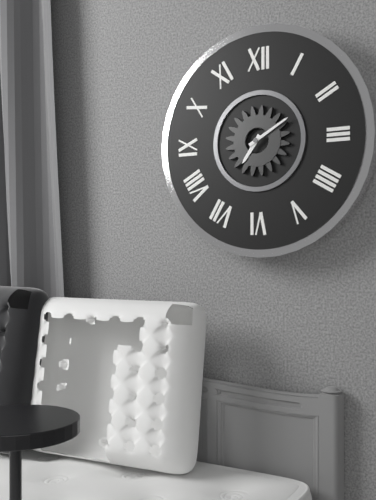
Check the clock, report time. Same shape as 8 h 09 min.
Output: 7 h 10 min
